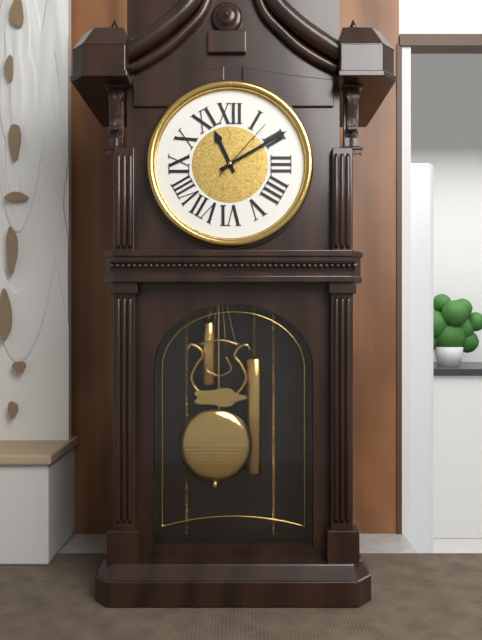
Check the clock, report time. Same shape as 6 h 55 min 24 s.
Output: 11 h 10 min 07 s
